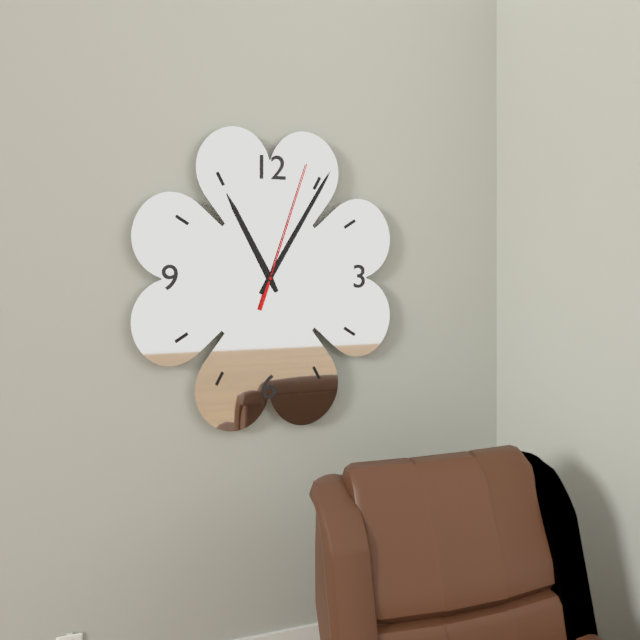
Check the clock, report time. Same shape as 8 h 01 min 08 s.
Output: 11 h 05 min 03 s
